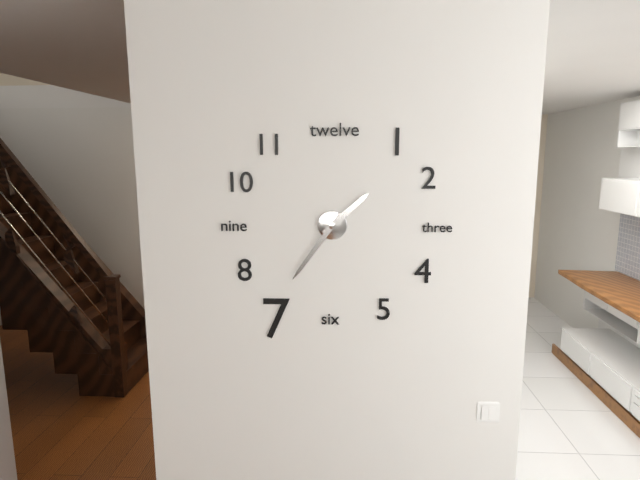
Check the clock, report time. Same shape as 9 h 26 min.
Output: 1 h 36 min
